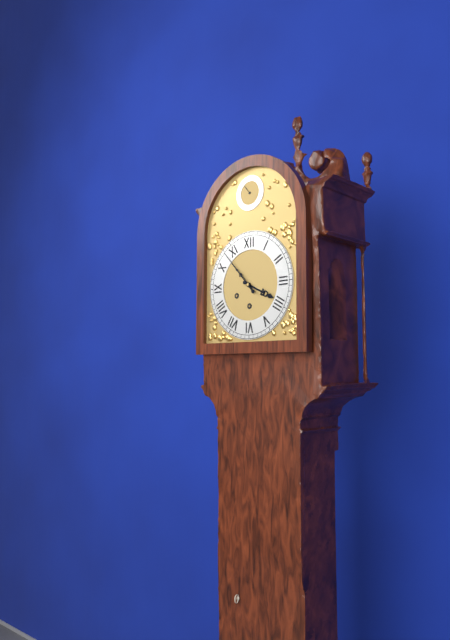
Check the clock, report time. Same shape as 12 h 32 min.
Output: 3 h 53 min
